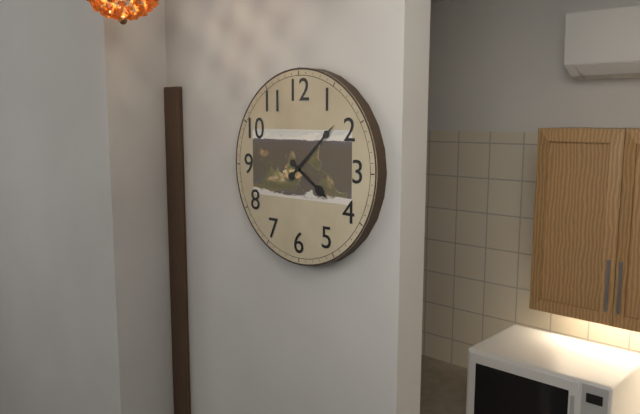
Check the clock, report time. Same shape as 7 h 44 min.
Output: 4 h 08 min
